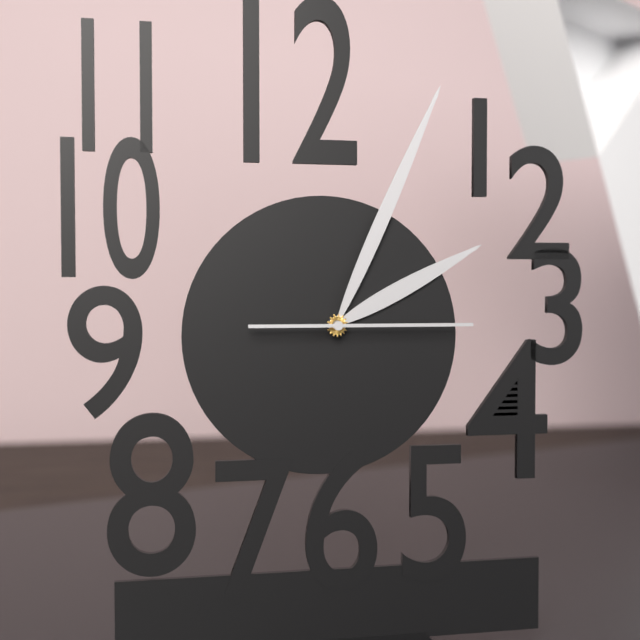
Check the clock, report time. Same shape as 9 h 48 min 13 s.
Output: 2 h 04 min 15 s
